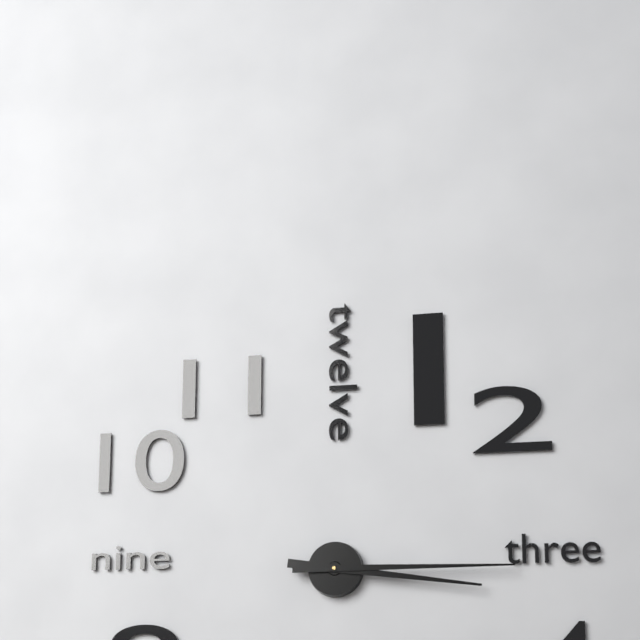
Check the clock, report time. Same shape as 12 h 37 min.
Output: 3 h 15 min
